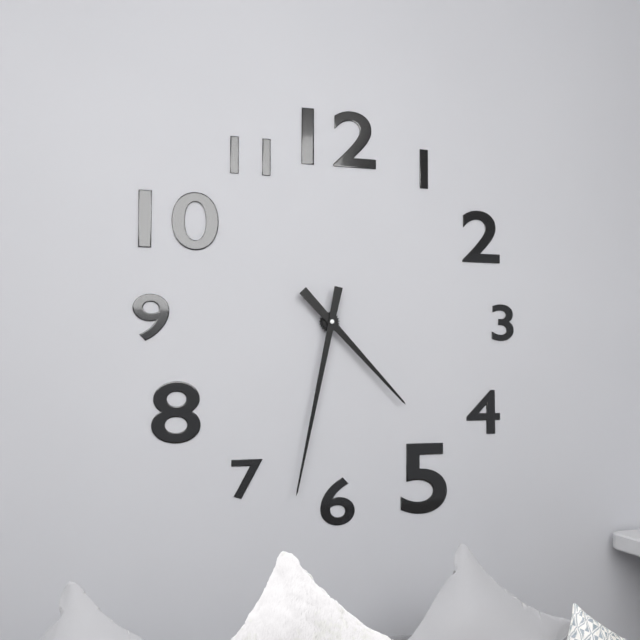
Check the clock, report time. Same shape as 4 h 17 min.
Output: 4 h 32 min
